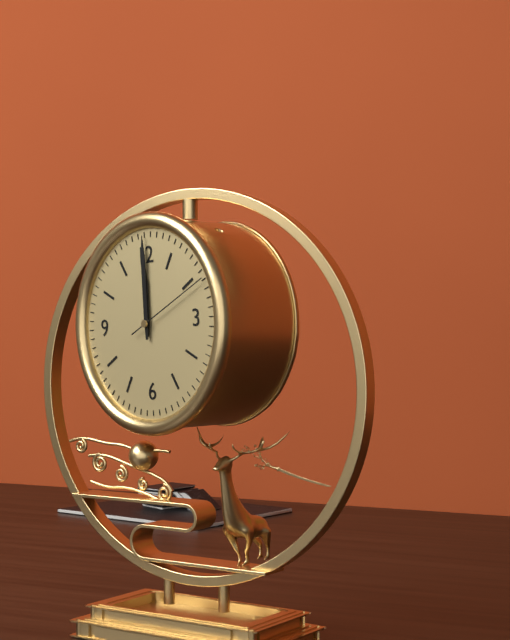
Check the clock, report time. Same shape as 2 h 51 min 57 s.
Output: 12 h 00 min 11 s
